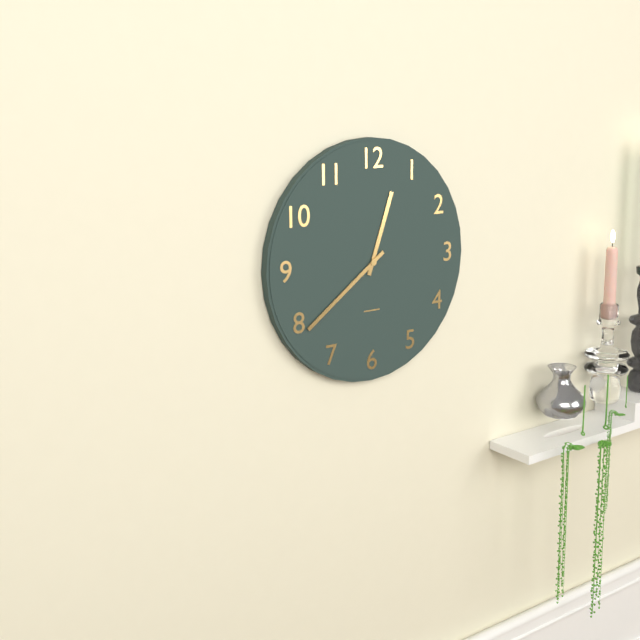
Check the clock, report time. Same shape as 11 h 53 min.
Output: 12 h 39 min
